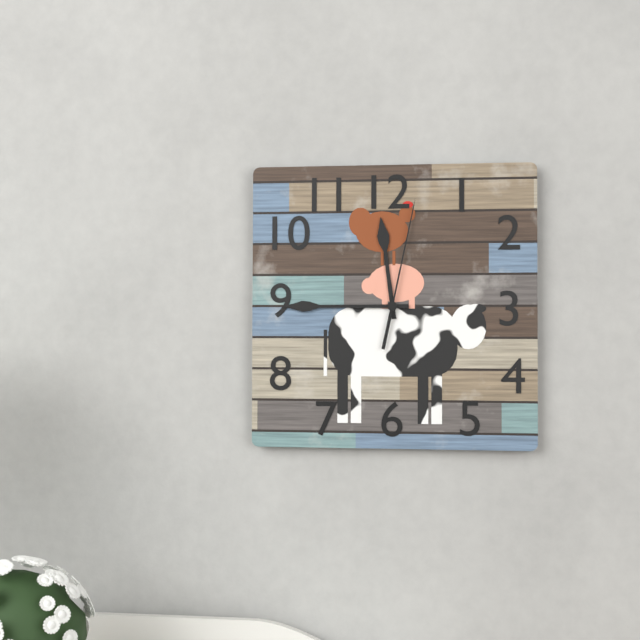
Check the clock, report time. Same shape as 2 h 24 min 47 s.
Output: 11 h 45 min 02 s
